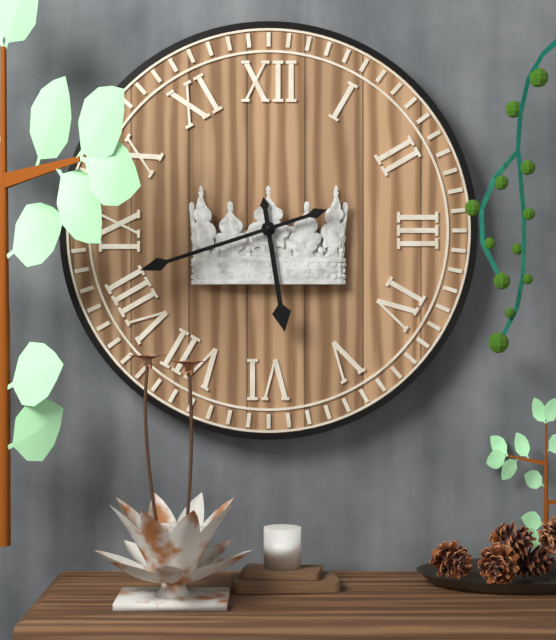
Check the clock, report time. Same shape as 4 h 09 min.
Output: 5 h 42 min
